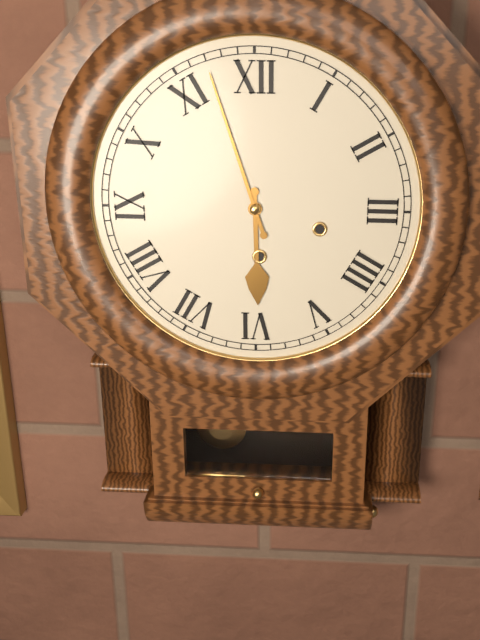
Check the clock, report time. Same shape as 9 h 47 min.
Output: 5 h 57 min
